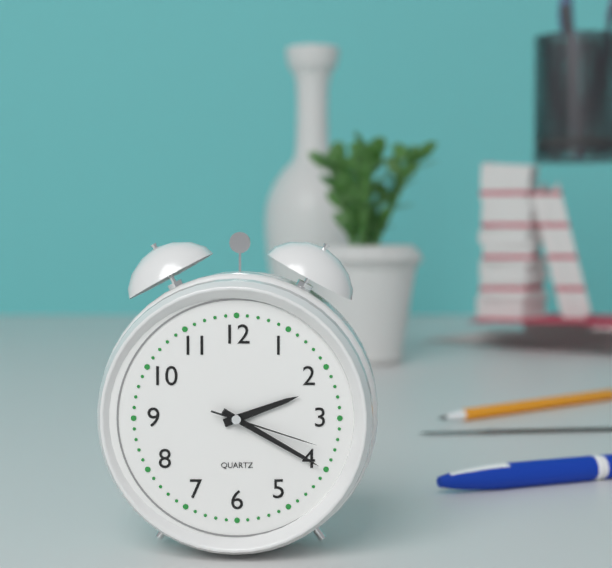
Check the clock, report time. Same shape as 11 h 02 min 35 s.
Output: 2 h 20 min 18 s
